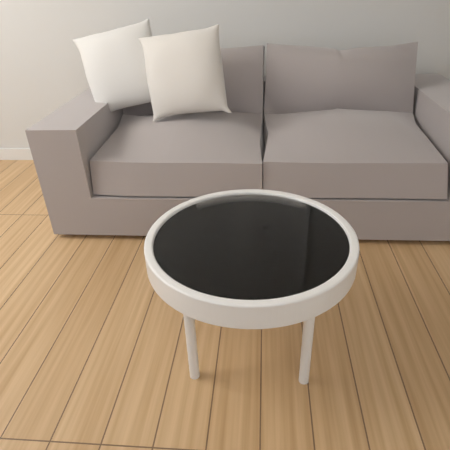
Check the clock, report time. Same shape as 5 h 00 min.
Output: 2 h 32 min
